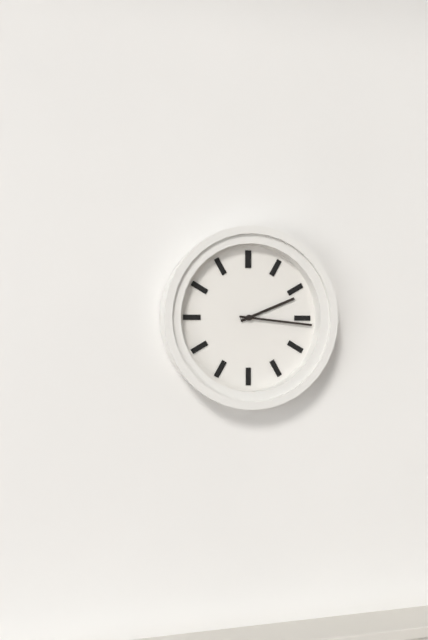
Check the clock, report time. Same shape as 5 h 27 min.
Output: 2 h 16 min
